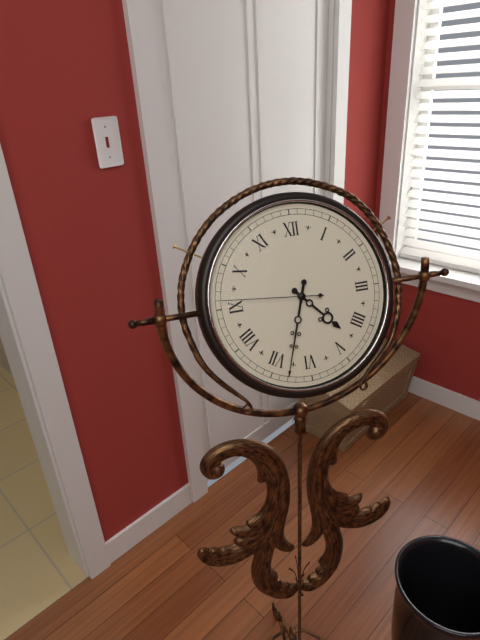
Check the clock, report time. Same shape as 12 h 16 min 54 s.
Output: 4 h 33 min 46 s
